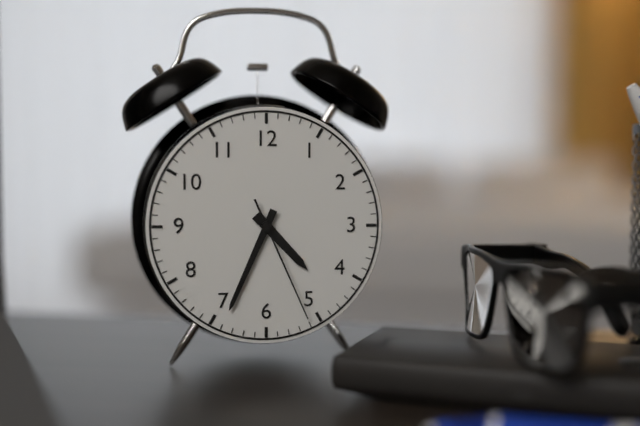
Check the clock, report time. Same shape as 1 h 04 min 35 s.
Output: 4 h 34 min 26 s
